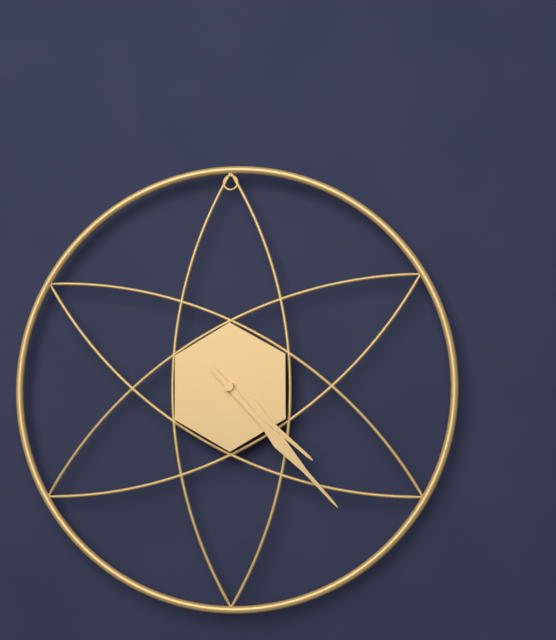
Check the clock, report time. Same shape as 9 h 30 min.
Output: 4 h 23 min
